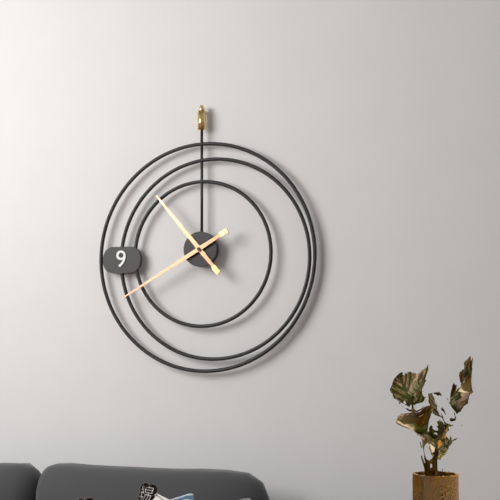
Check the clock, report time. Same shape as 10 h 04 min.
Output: 10 h 40 min
